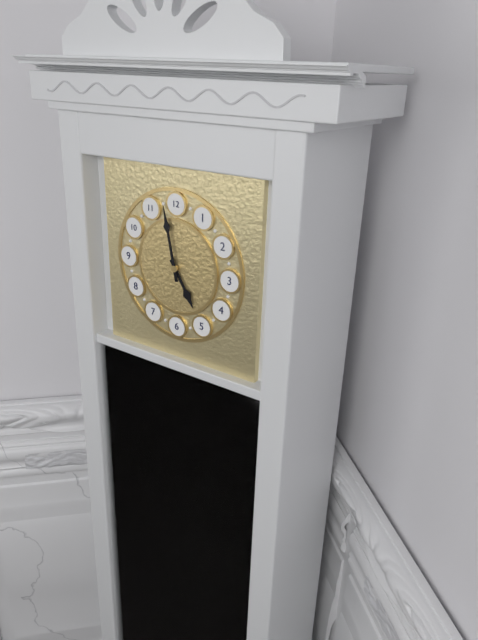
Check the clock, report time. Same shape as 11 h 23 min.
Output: 4 h 58 min
